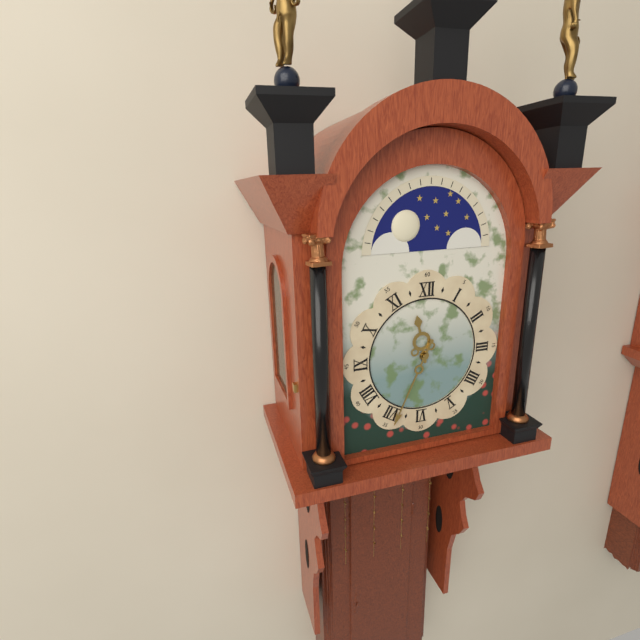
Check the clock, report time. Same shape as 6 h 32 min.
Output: 11 h 34 min
